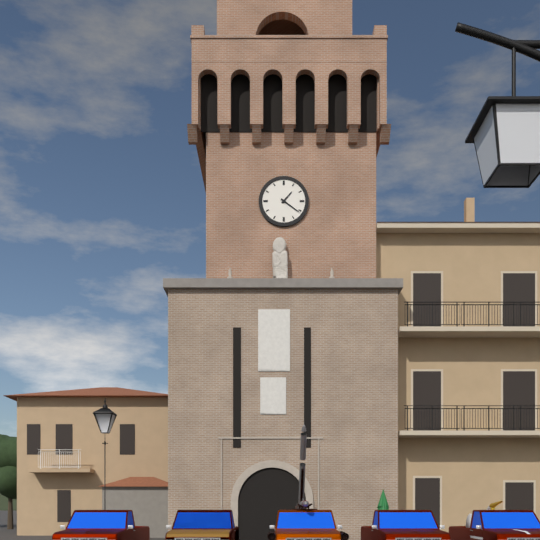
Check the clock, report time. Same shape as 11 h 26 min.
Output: 1 h 21 min
